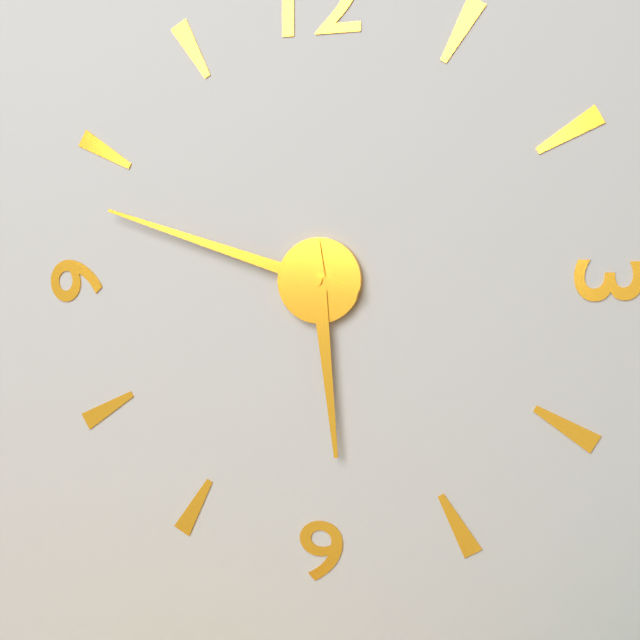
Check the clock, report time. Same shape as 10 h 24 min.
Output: 5 h 48 min
